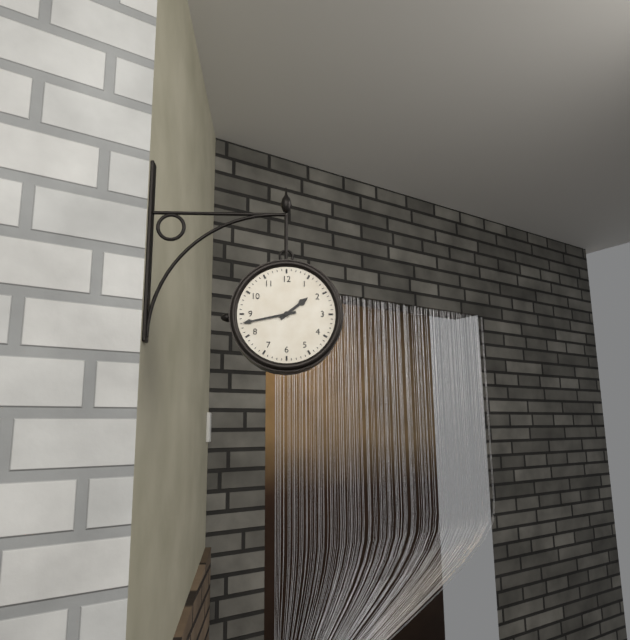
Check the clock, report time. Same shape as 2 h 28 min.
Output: 1 h 43 min
